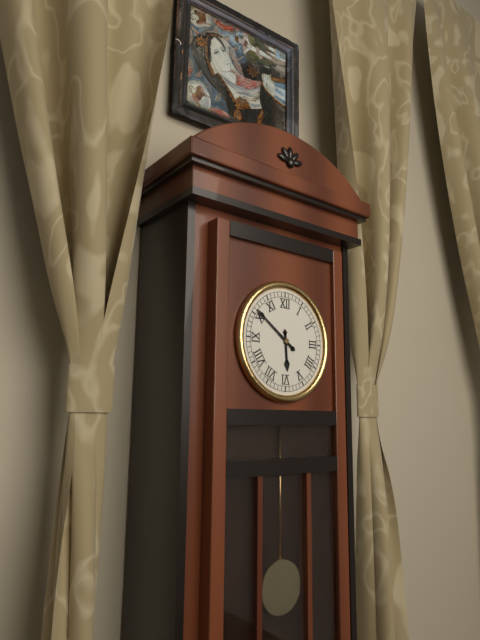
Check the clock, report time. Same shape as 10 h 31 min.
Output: 5 h 51 min
